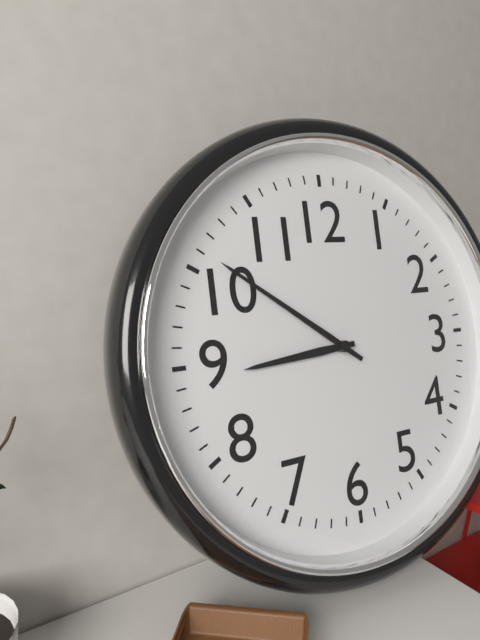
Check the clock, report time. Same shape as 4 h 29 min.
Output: 8 h 51 min
